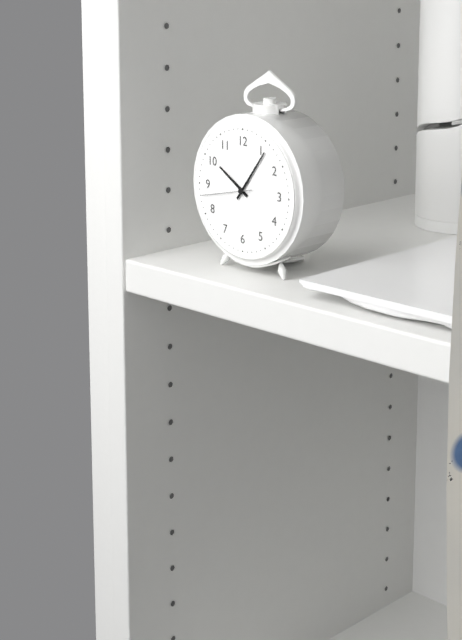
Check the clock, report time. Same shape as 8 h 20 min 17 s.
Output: 10 h 06 min 43 s
